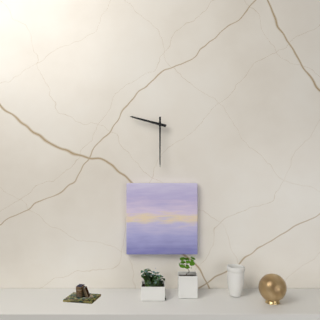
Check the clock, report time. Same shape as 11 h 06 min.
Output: 9 h 30 min
